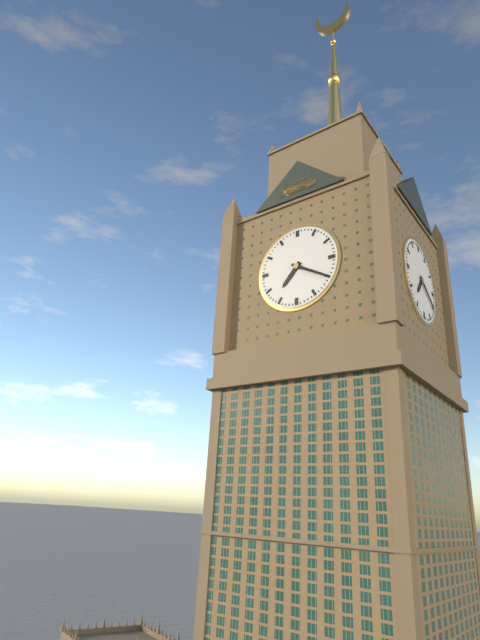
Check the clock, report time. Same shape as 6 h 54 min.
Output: 7 h 20 min
